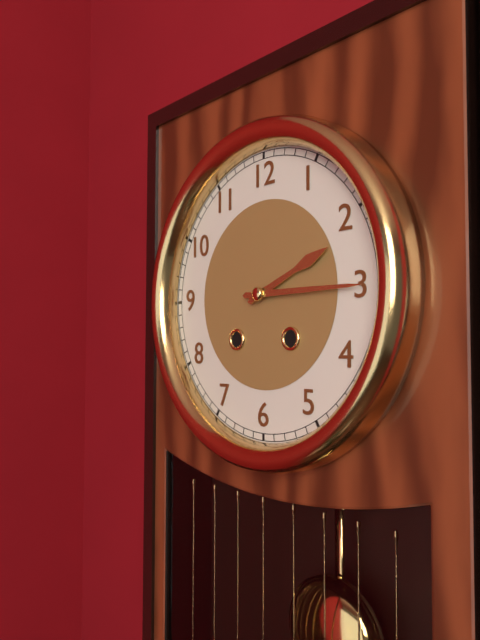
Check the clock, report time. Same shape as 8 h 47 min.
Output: 2 h 15 min
